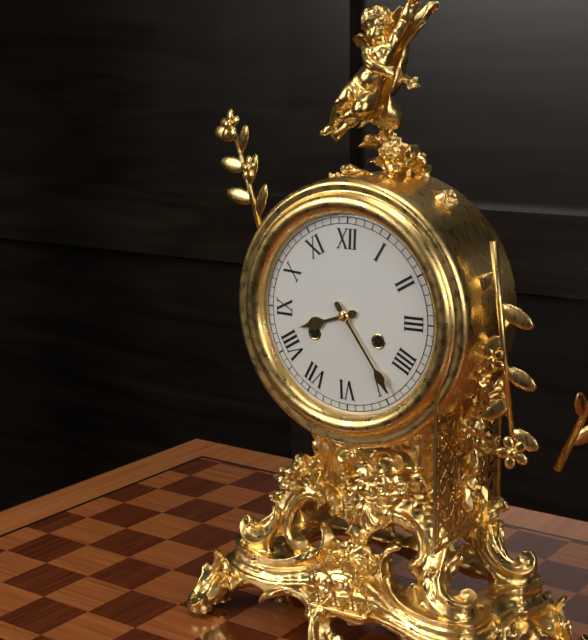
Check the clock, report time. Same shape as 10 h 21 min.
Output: 8 h 24 min
